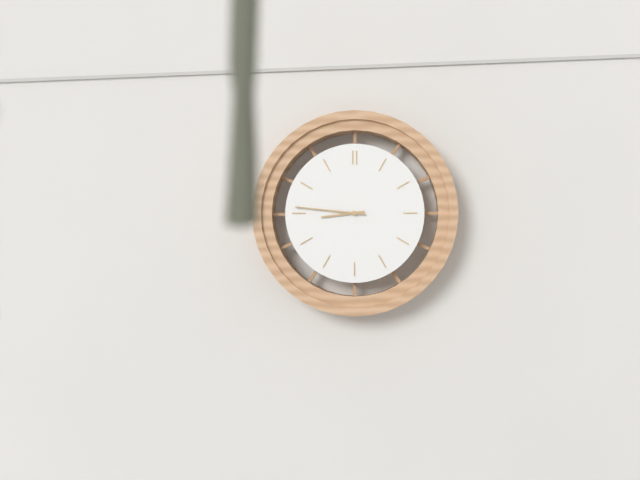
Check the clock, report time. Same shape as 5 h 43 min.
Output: 8 h 46 min
